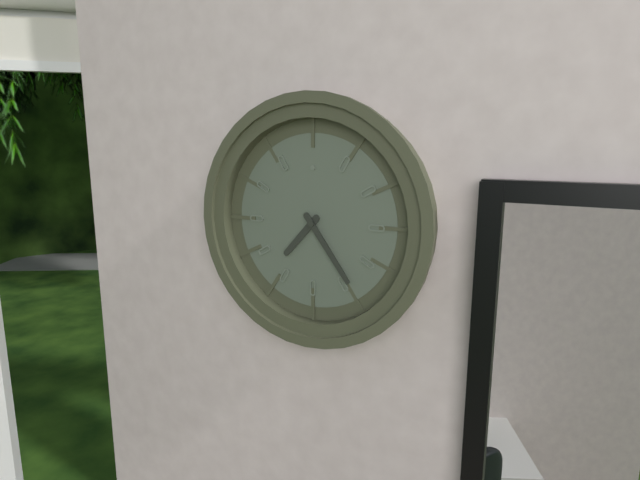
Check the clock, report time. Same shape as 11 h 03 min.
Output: 7 h 24 min
